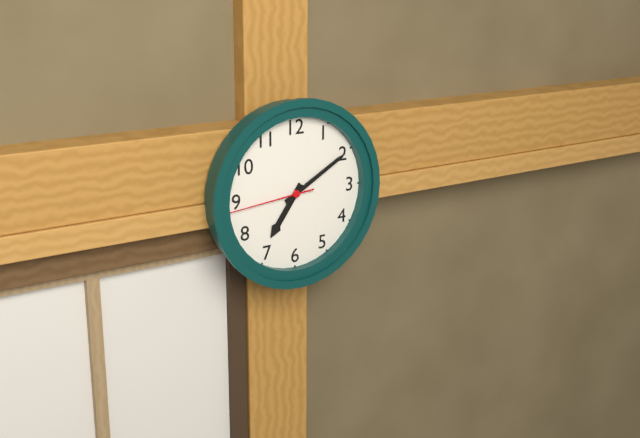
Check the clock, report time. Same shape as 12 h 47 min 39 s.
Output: 7 h 10 min 44 s
